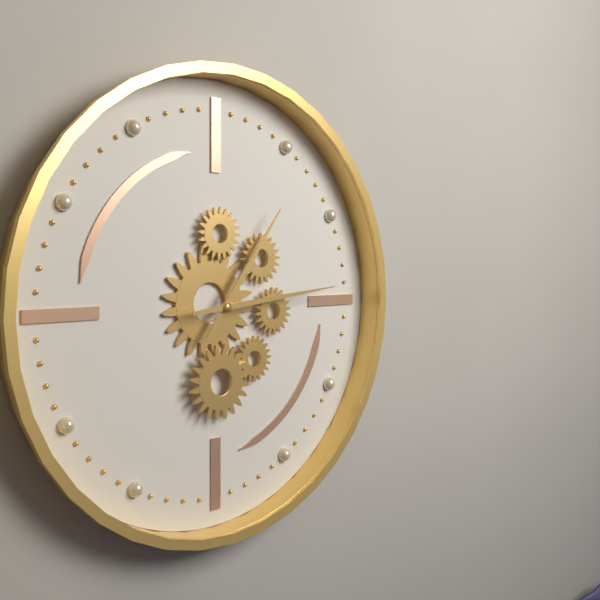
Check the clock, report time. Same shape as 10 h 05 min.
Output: 1 h 14 min
